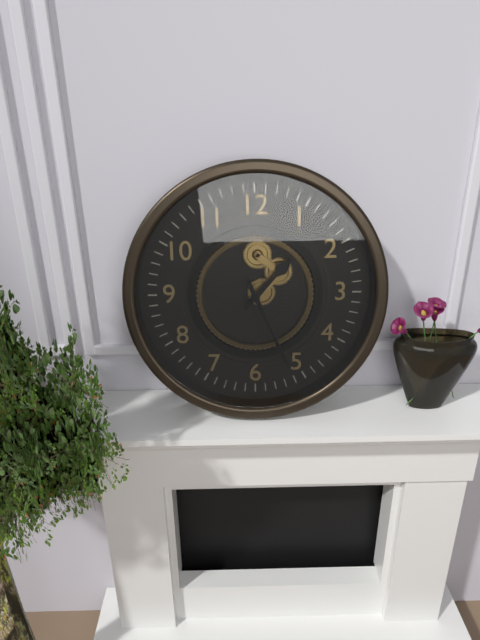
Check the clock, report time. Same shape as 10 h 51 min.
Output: 1 h 26 min
